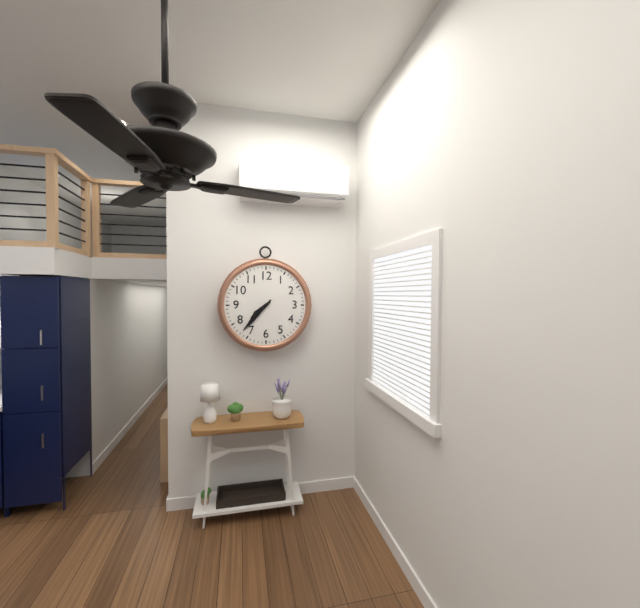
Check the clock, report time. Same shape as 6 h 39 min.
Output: 7 h 37 min
